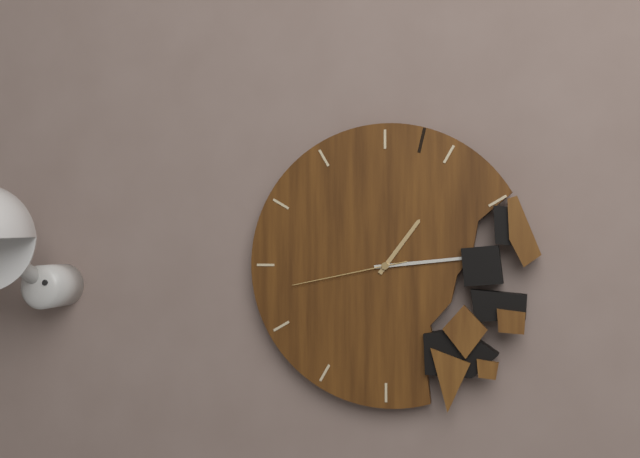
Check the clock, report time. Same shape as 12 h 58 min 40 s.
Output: 1 h 14 min 43 s
